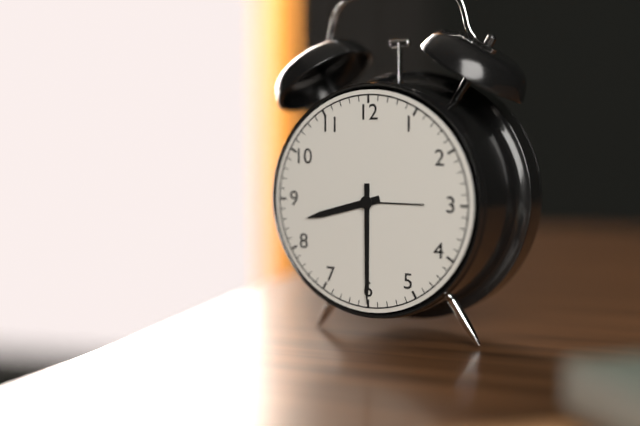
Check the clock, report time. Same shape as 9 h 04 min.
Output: 8 h 30 min
